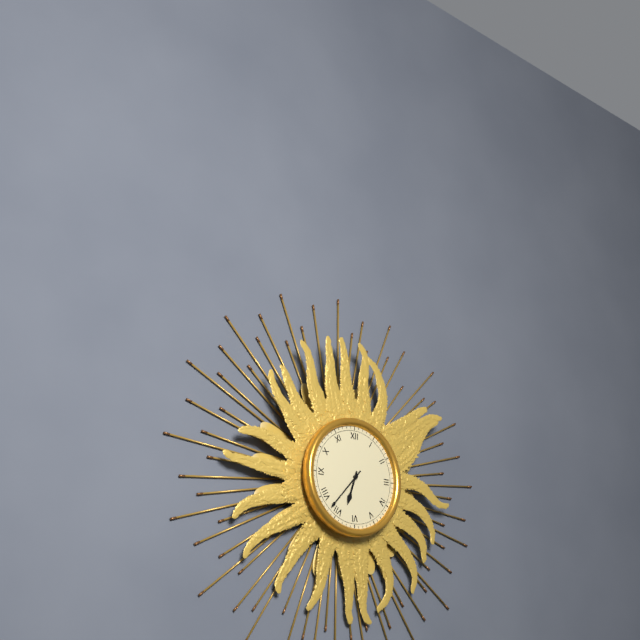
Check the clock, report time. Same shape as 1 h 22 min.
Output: 6 h 37 min
